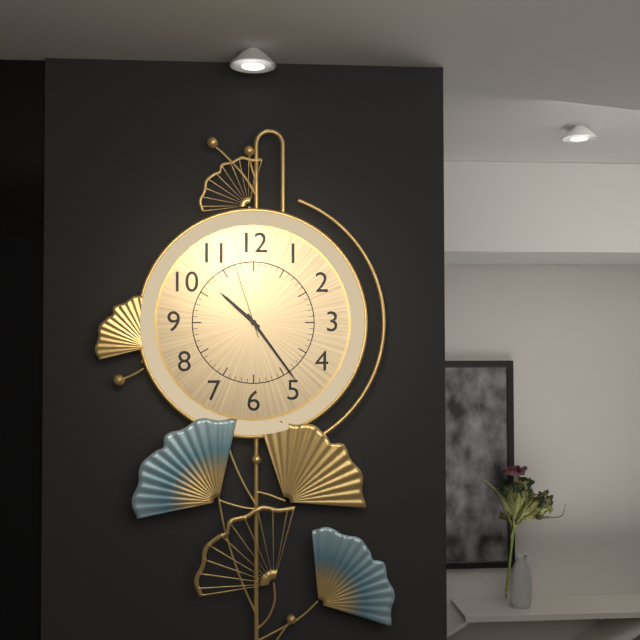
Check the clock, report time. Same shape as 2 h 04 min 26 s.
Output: 10 h 24 min 57 s
